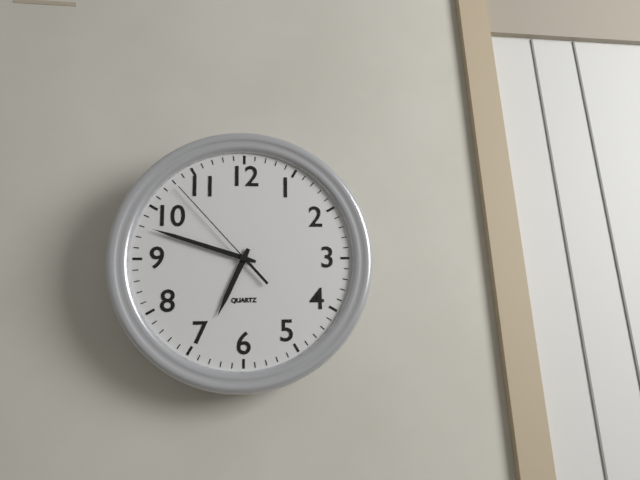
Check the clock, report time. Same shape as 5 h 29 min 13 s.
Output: 6 h 48 min 53 s
